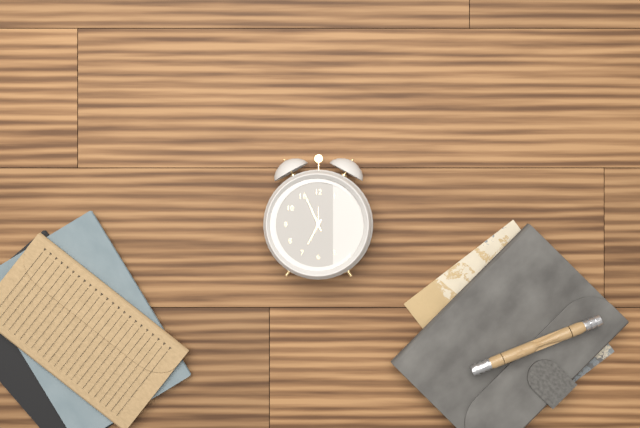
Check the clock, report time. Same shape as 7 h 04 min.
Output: 6 h 56 min
